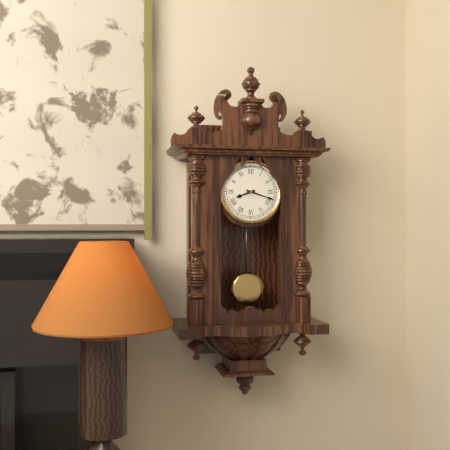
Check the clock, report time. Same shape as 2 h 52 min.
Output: 8 h 18 min
